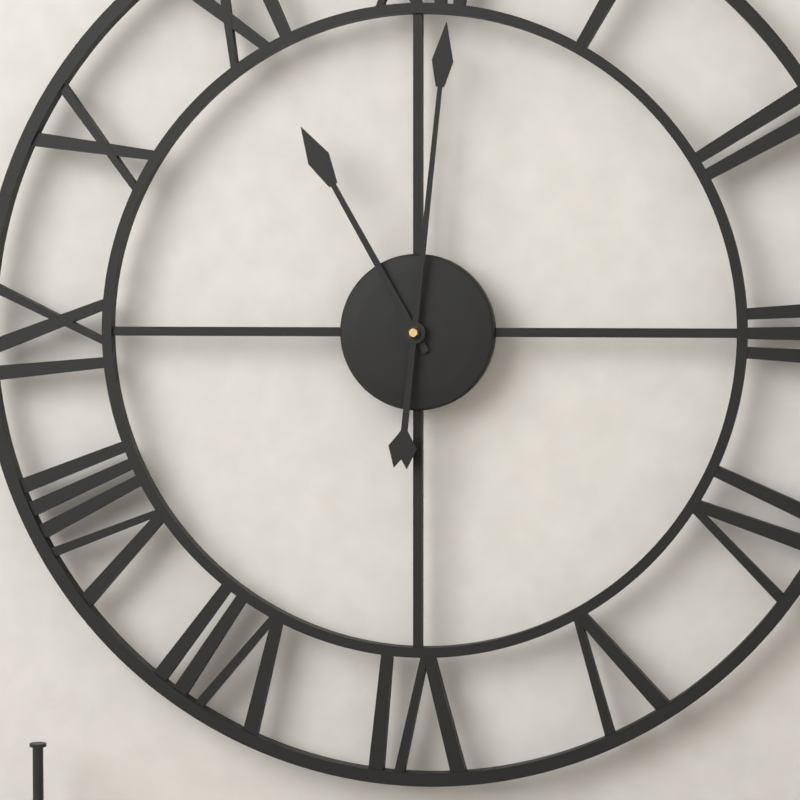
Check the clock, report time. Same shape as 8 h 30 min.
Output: 11 h 01 min
